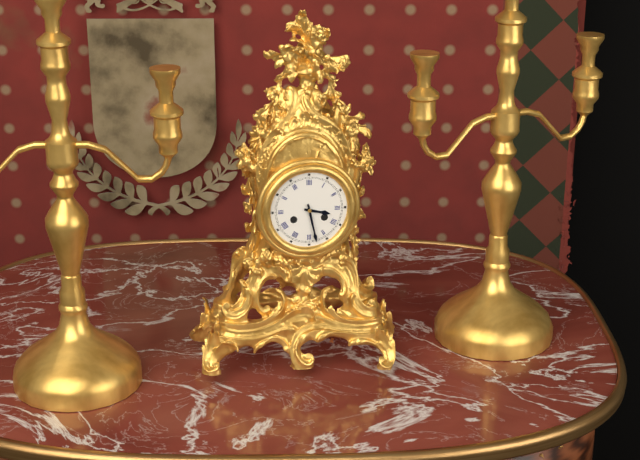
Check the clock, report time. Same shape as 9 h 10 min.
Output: 3 h 28 min
